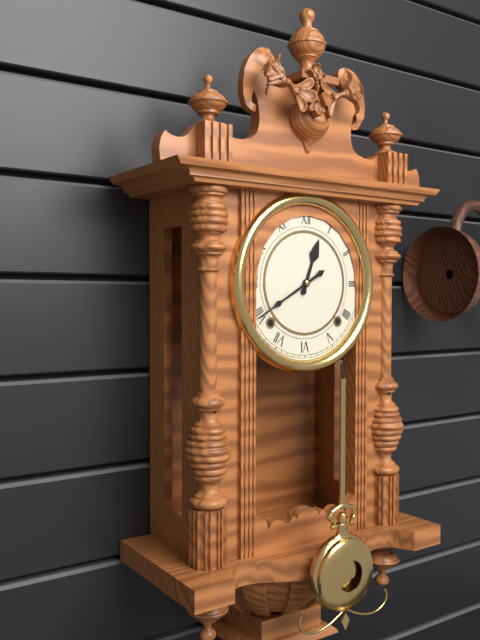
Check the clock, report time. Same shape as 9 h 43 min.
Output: 12 h 40 min
